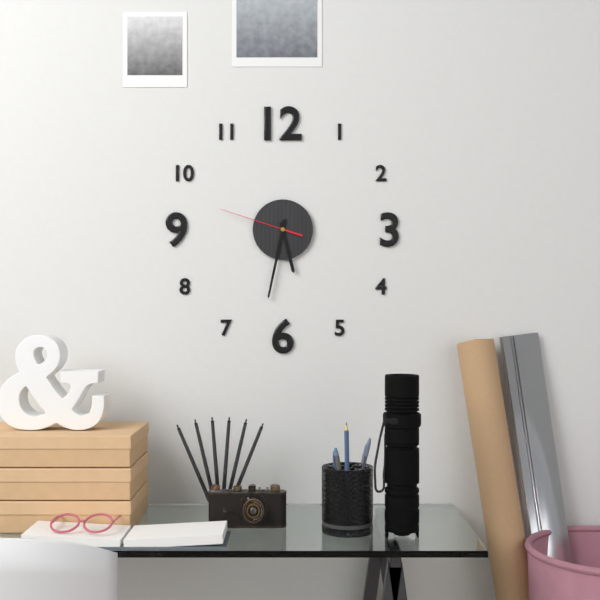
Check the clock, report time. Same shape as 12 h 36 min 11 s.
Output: 5 h 32 min 48 s
